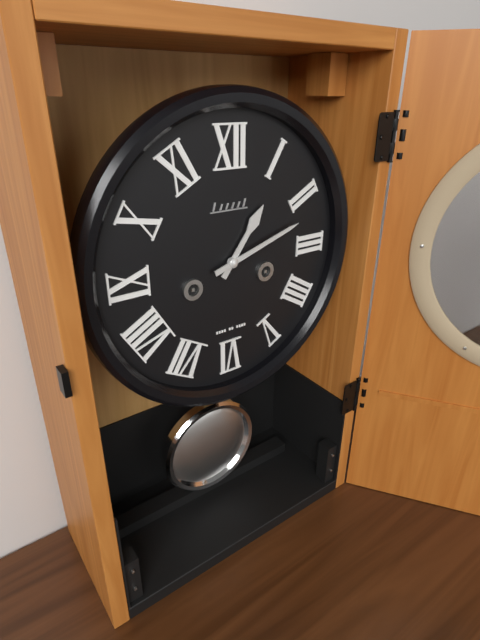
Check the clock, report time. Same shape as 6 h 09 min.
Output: 1 h 12 min
